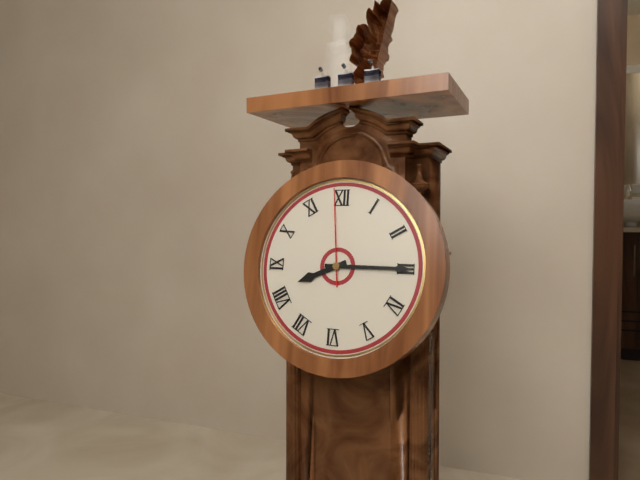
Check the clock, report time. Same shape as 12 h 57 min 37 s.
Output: 8 h 15 min 59 s
